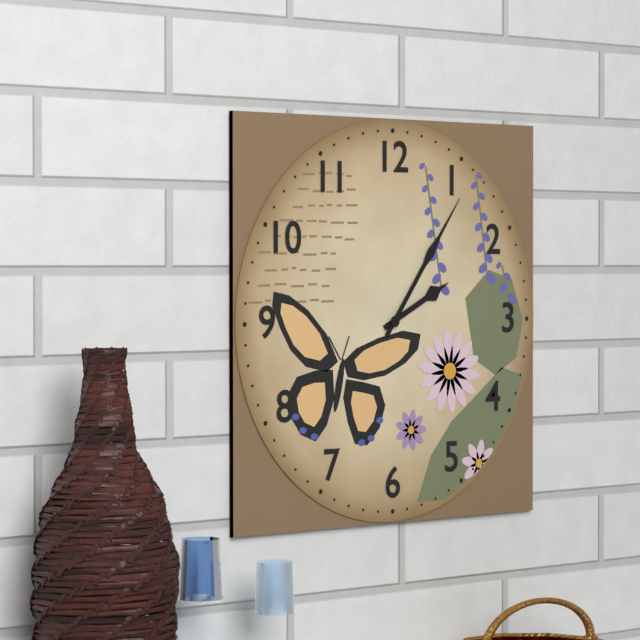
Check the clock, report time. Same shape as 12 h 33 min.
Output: 2 h 06 min
